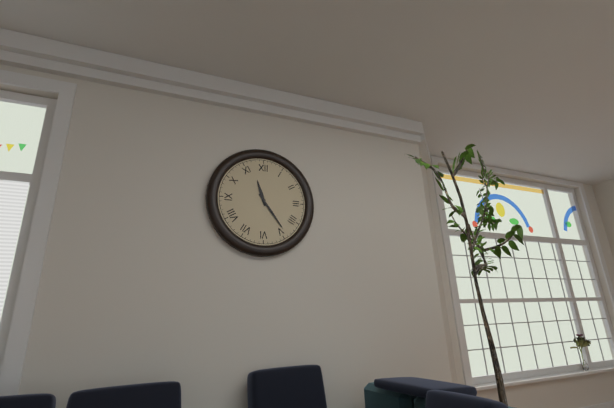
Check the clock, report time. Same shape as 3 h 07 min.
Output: 11 h 24 min
